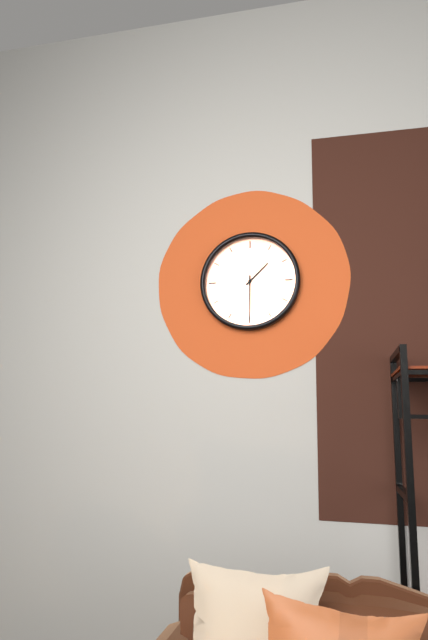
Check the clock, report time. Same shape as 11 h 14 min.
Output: 1 h 30 min
